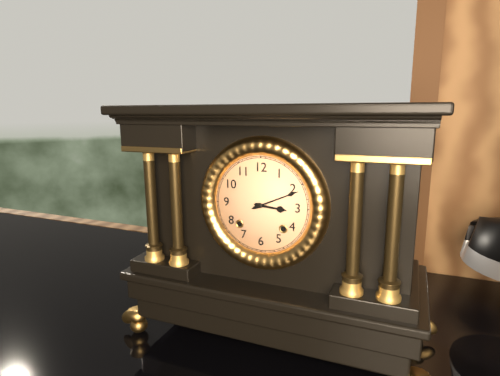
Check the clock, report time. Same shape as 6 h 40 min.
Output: 3 h 11 min
